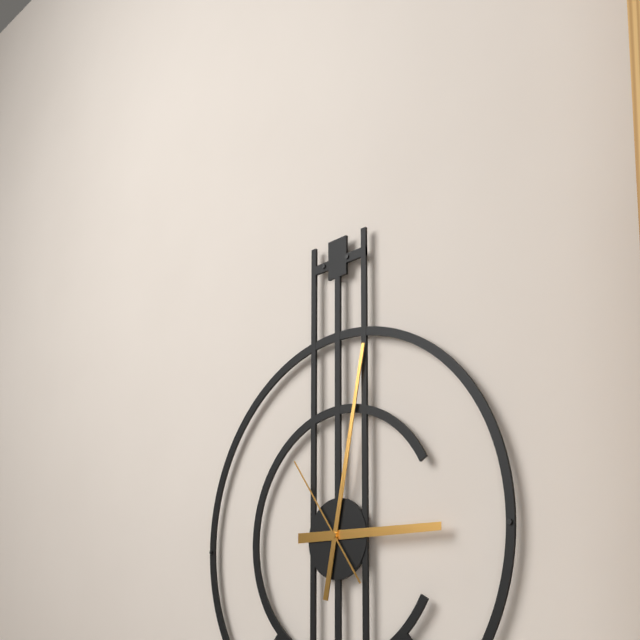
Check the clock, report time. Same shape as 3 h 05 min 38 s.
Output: 3 h 02 min 54 s
